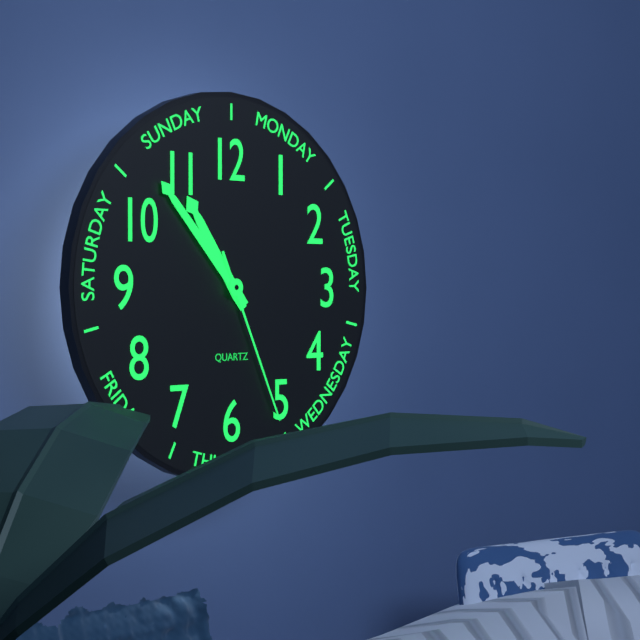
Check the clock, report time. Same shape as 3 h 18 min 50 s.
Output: 10 h 53 min 26 s
